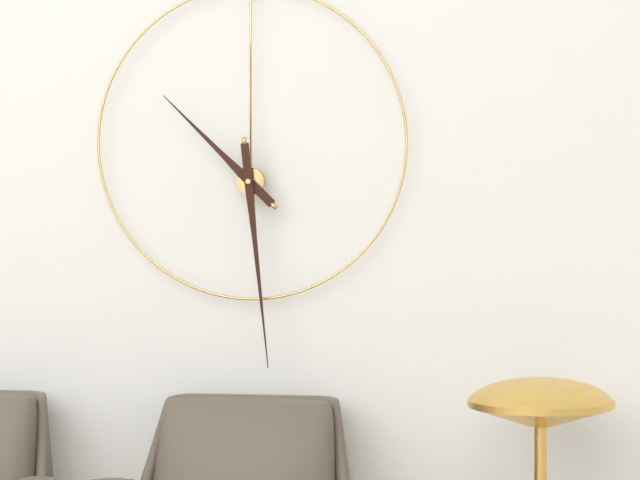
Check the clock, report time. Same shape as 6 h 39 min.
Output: 10 h 29 min
